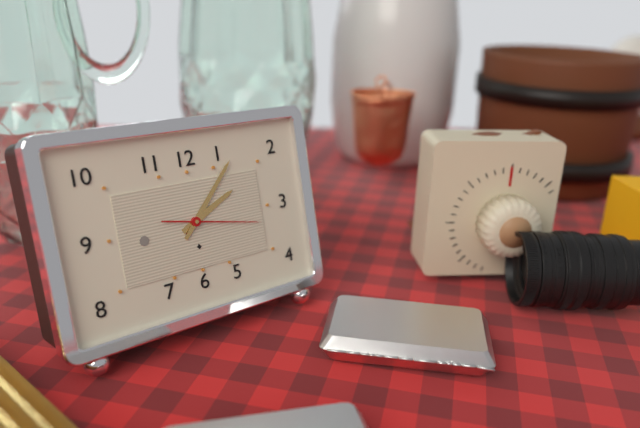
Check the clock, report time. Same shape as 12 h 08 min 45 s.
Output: 2 h 07 min 17 s
